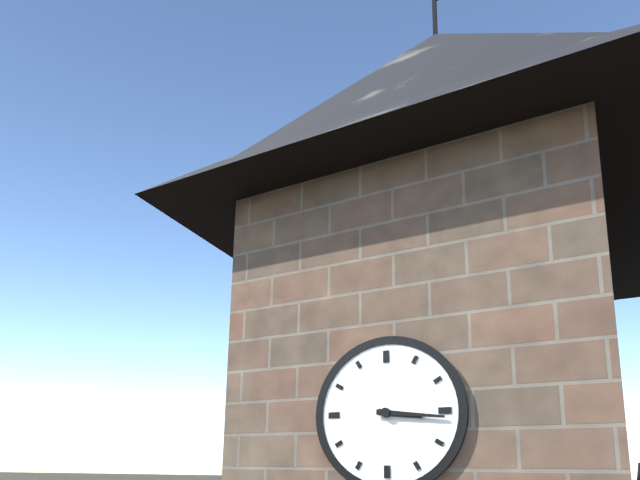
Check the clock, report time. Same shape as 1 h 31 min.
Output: 3 h 16 min
